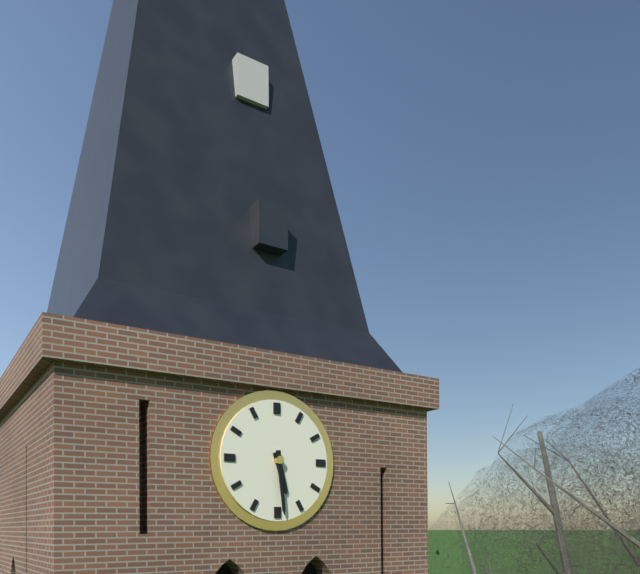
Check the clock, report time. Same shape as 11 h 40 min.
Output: 5 h 29 min
